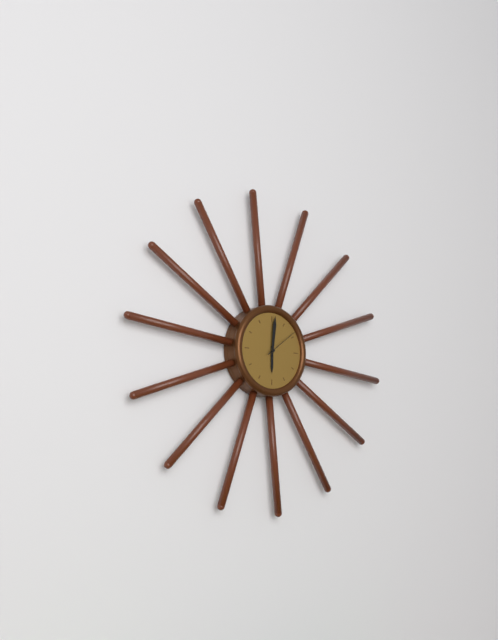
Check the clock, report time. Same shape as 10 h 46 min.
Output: 6 h 01 min
